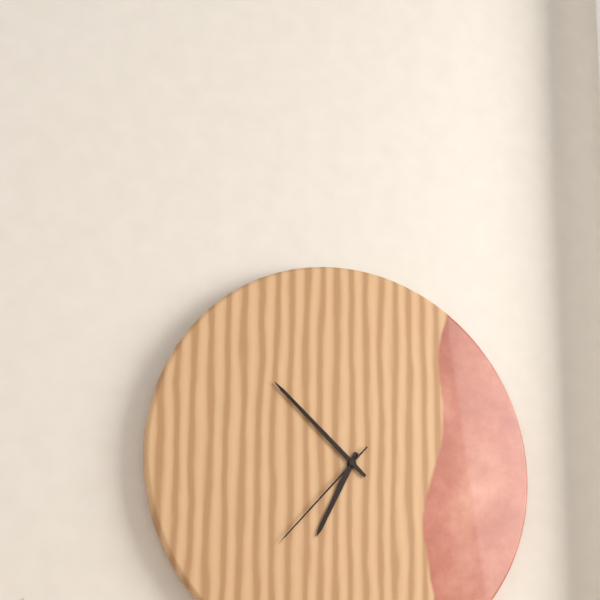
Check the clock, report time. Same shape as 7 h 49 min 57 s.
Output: 6 h 52 min 37 s
